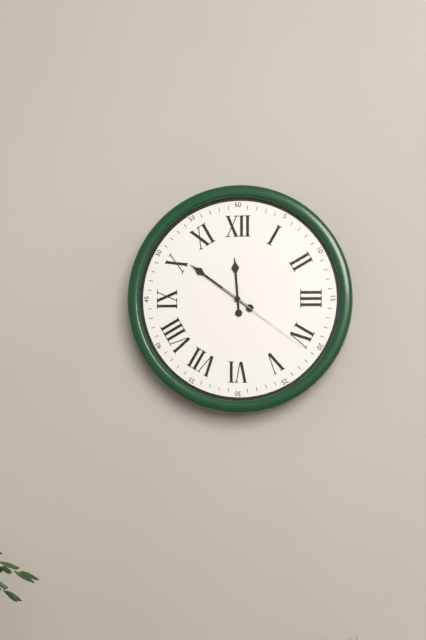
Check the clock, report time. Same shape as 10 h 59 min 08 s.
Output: 11 h 51 min 21 s
